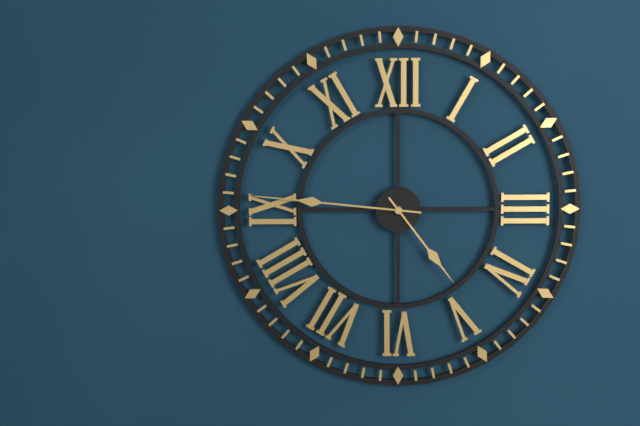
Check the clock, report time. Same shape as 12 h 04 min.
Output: 4 h 46 min
